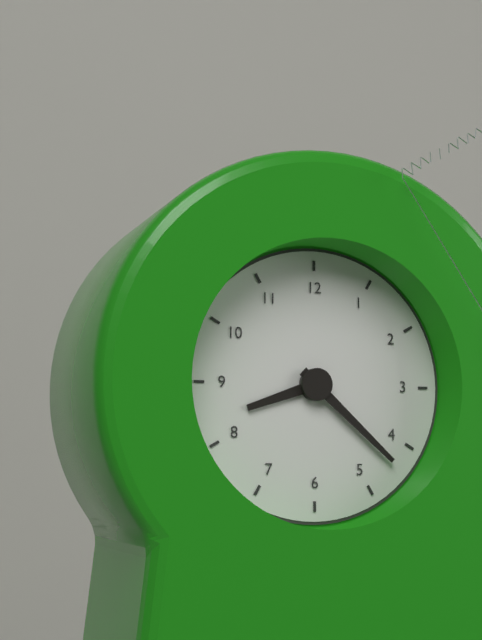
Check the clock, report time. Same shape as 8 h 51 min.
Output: 8 h 22 min
